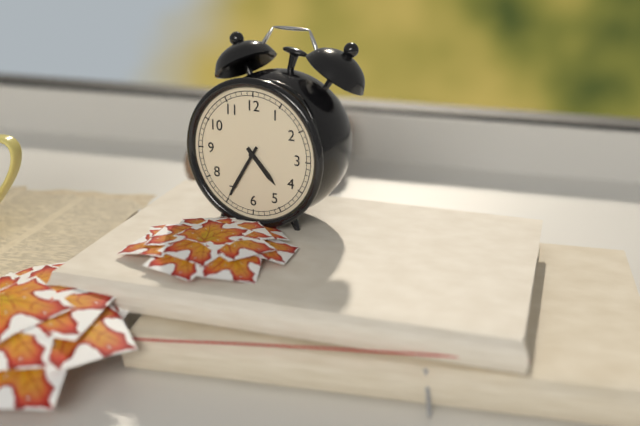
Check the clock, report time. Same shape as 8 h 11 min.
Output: 4 h 35 min
